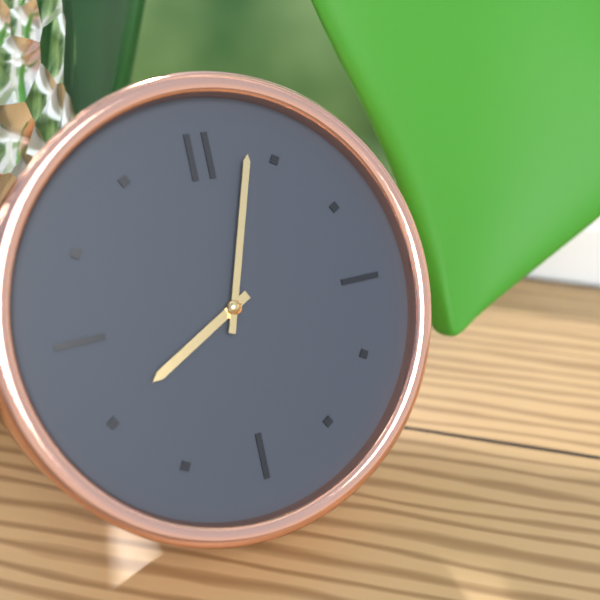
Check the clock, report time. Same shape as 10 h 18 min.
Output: 8 h 03 min
